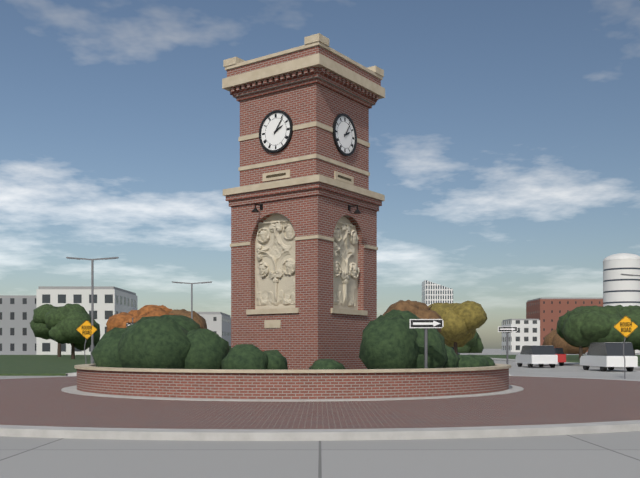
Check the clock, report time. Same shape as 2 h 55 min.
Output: 2 h 06 min
